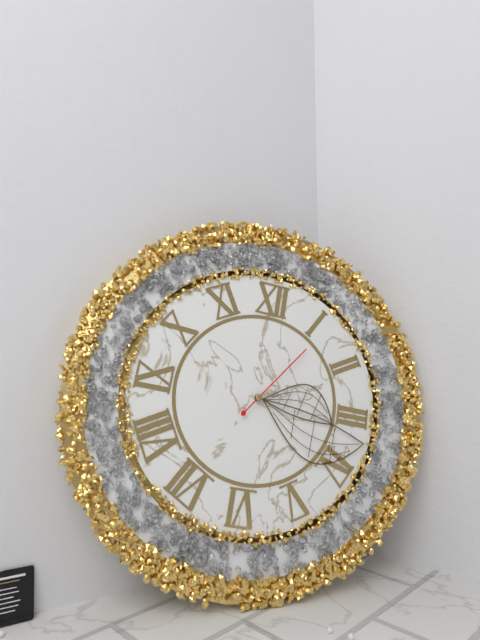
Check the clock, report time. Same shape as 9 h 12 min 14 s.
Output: 3 h 17 min 06 s
